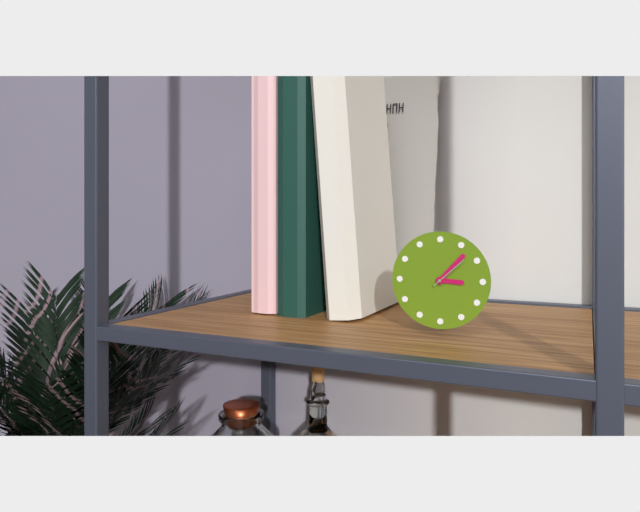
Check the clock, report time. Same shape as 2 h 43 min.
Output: 3 h 07 min
